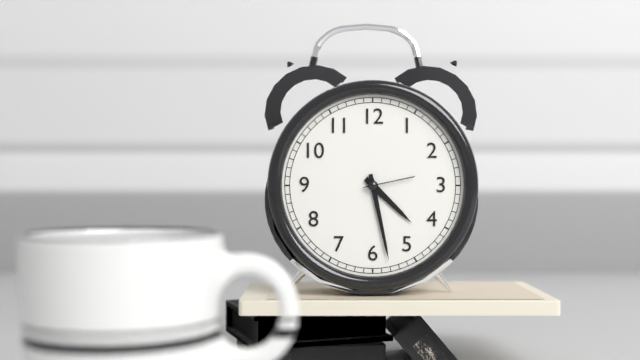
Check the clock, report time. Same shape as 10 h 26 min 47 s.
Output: 4 h 28 min 13 s
